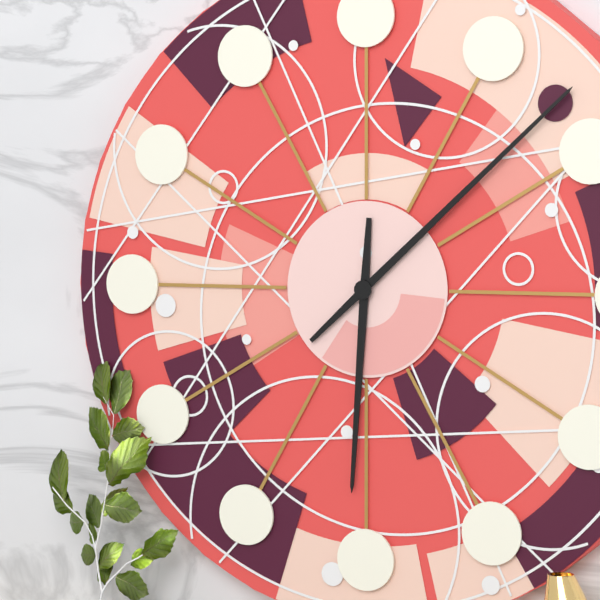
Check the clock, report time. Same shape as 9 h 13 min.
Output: 6 h 08 min
